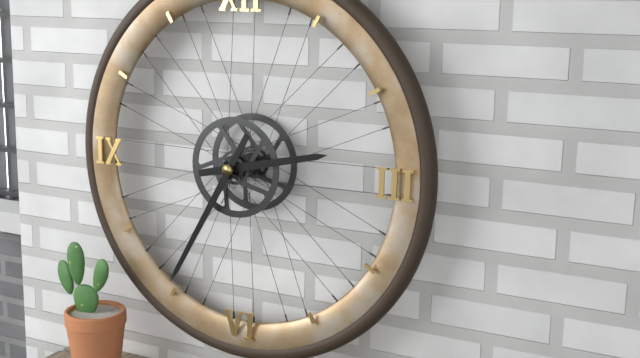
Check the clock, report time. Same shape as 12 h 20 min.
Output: 2 h 35 min
